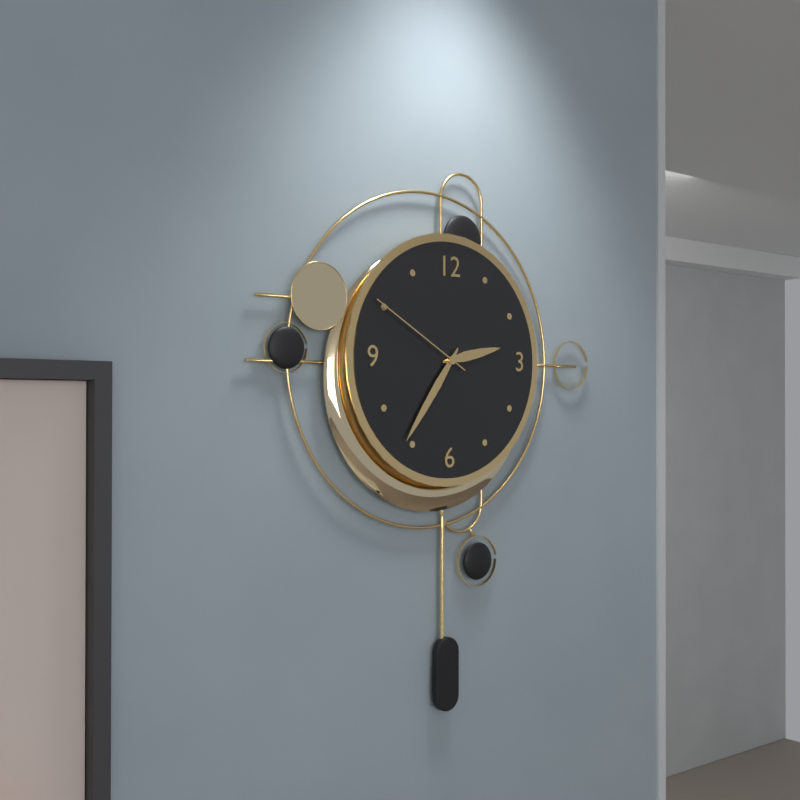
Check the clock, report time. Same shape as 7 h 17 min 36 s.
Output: 2 h 36 min 50 s
